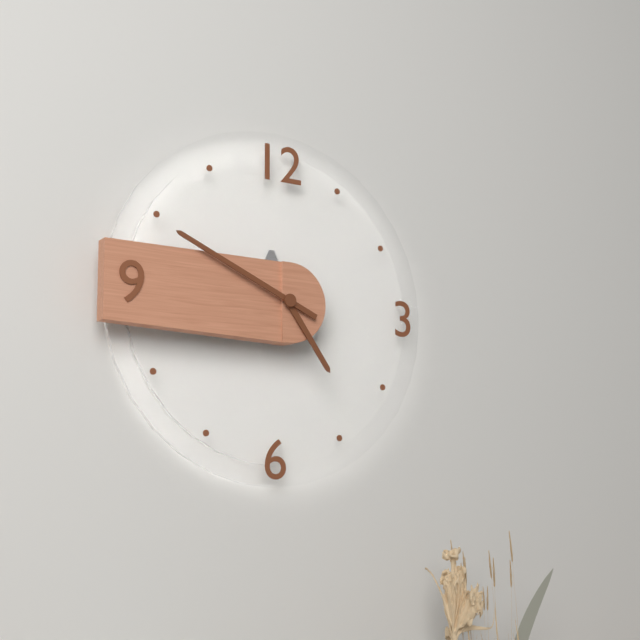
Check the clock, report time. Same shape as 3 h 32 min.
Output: 4 h 49 min
